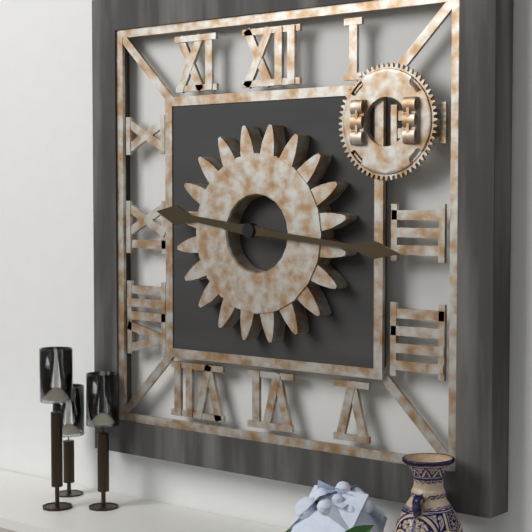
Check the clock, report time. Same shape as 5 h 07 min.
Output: 9 h 16 min
